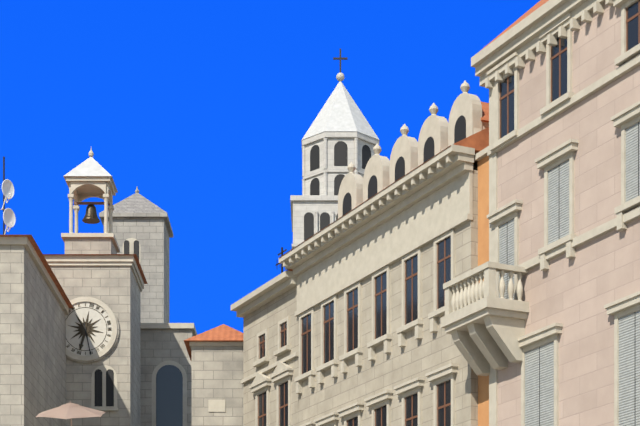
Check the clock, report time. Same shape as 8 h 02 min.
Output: 6 h 28 min
